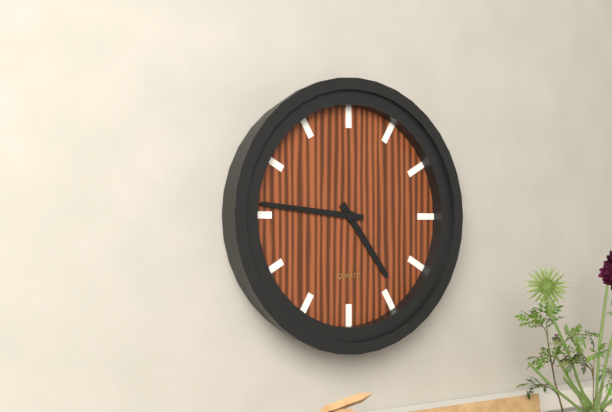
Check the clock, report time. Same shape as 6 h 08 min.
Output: 4 h 46 min
